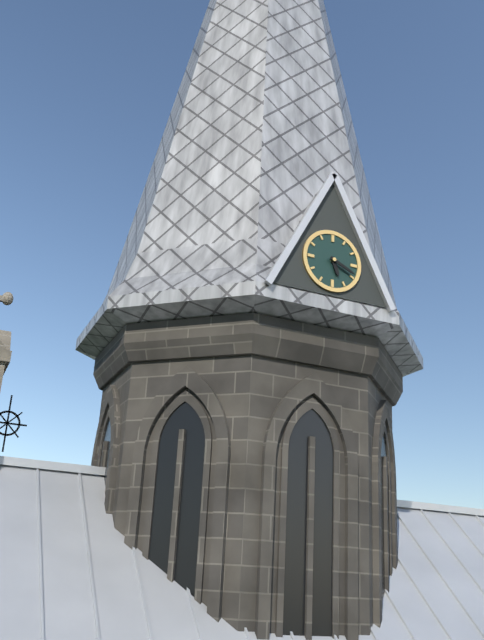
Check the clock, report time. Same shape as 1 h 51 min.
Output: 5 h 19 min
